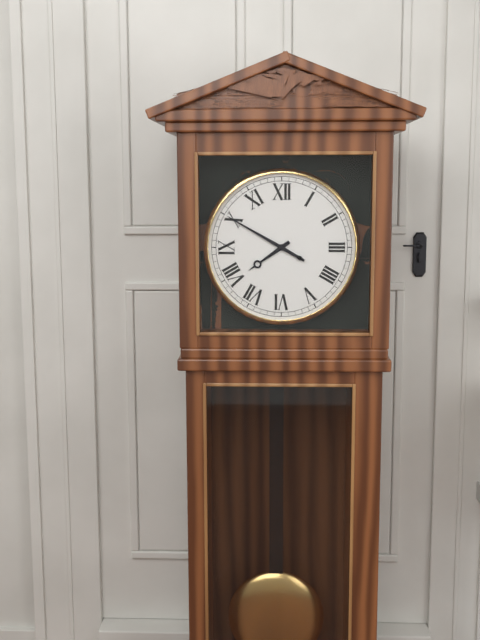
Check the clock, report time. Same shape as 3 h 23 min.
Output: 7 h 50 min
